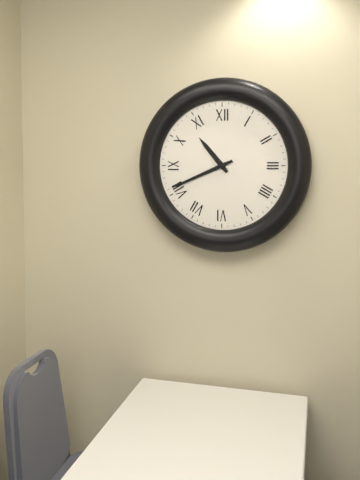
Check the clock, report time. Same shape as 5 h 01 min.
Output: 10 h 41 min
